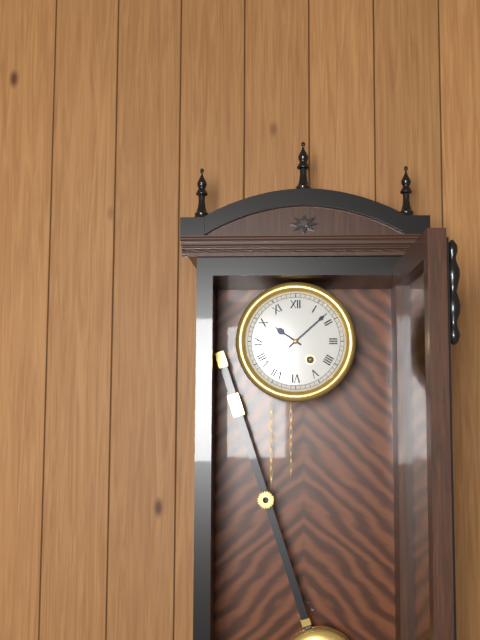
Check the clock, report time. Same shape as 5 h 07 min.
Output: 10 h 08 min
